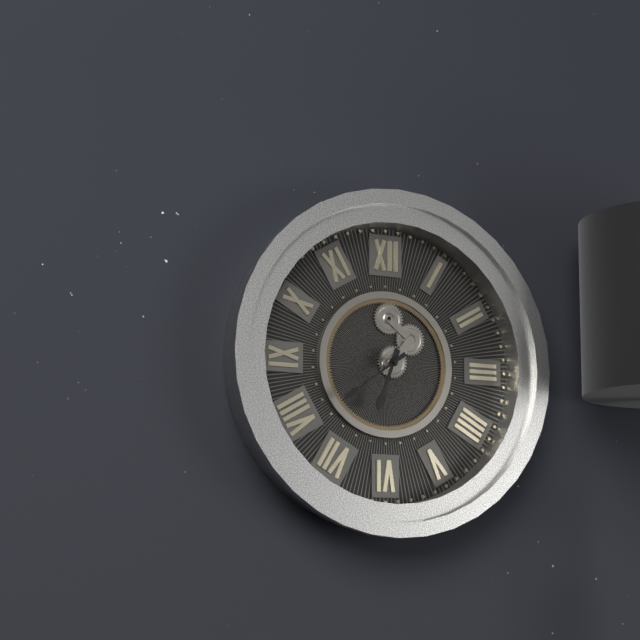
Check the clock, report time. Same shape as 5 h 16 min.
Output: 6 h 39 min
